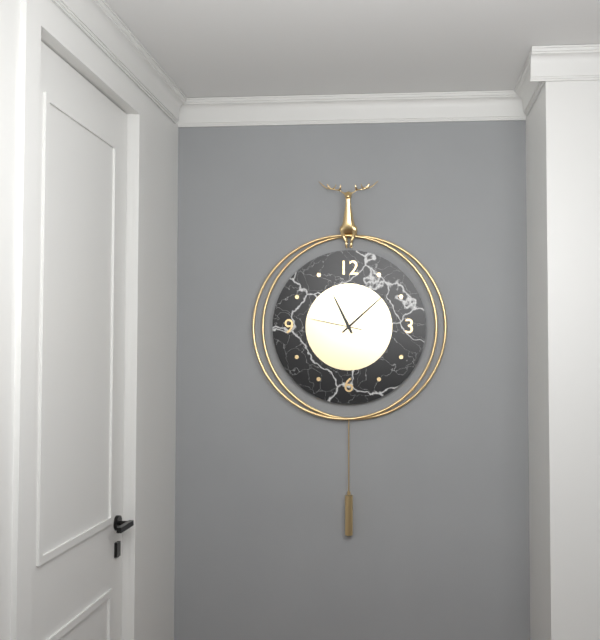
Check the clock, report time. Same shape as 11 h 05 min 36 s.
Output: 11 h 08 min 47 s
